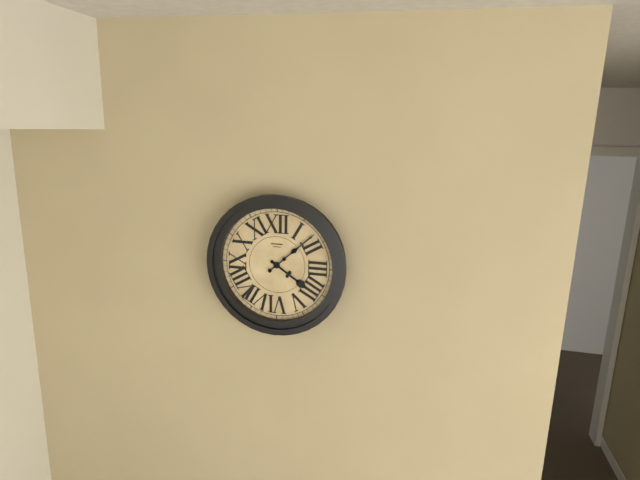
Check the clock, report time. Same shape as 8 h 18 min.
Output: 4 h 08 min
